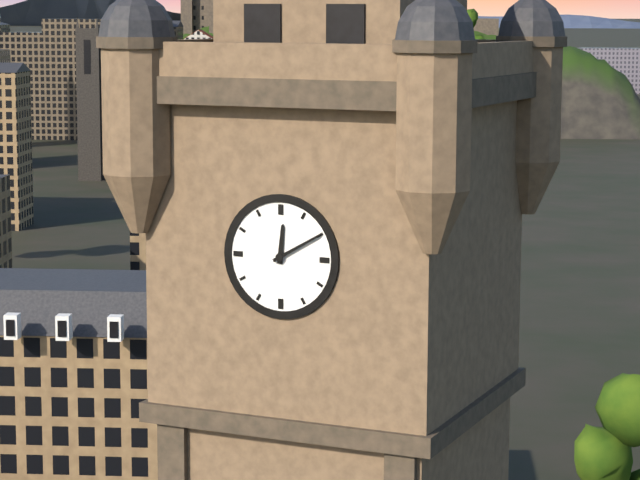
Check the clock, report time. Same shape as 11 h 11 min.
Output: 12 h 10 min
